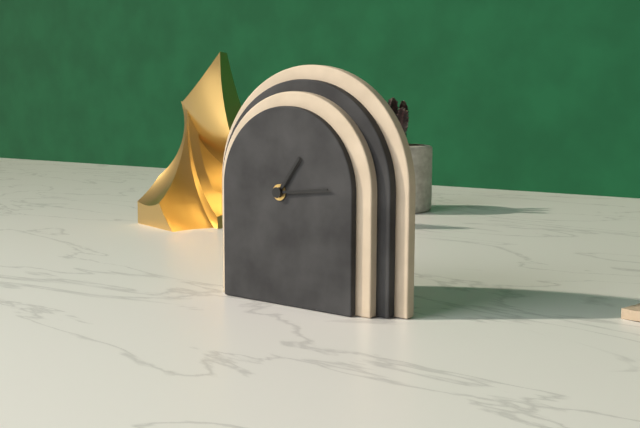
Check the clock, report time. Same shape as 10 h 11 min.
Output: 1 h 14 min
